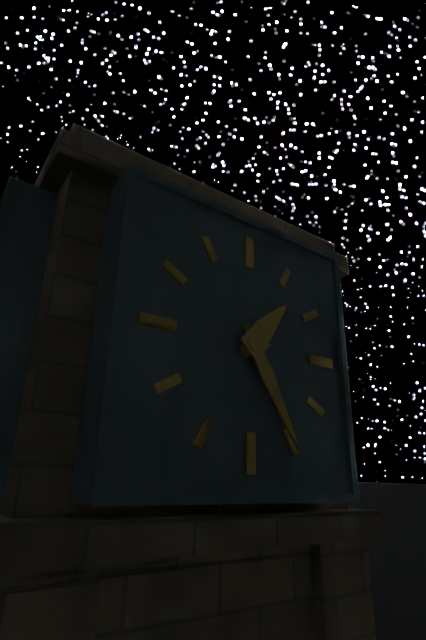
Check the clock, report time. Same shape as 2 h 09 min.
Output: 1 h 25 min
